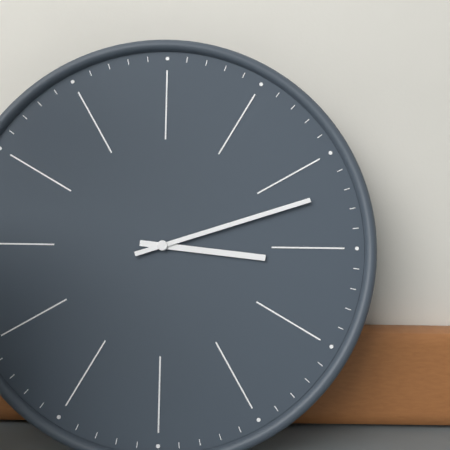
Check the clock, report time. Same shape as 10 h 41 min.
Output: 3 h 12 min
